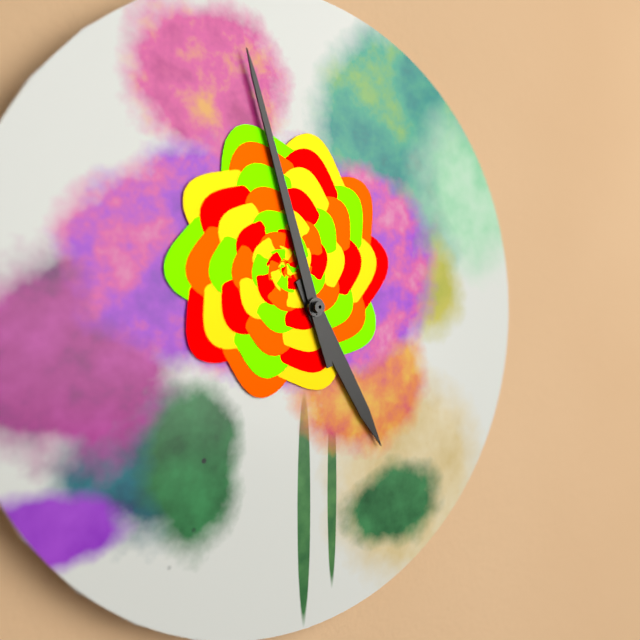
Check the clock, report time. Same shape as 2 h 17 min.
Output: 4 h 57 min
